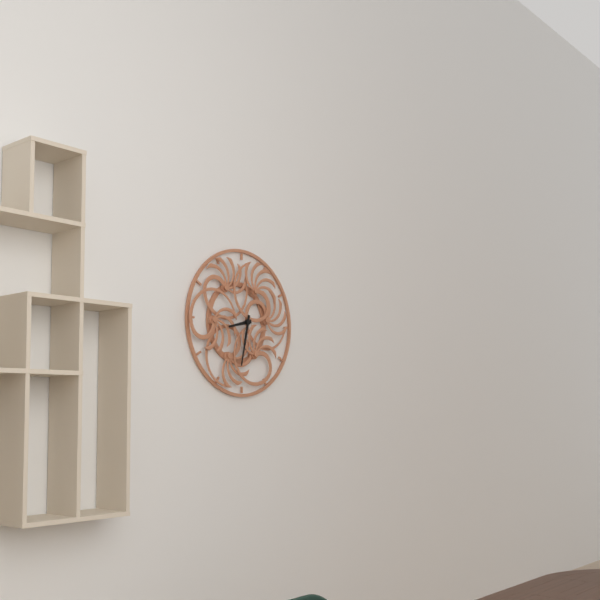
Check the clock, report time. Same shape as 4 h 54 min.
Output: 8 h 32 min
